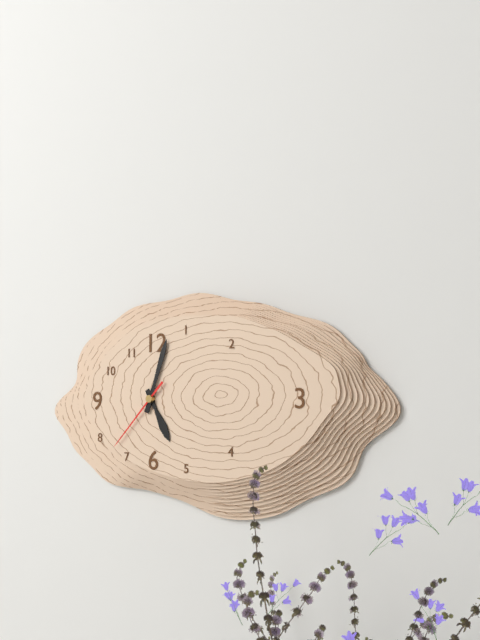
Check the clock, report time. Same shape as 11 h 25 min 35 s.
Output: 5 h 03 min 37 s
